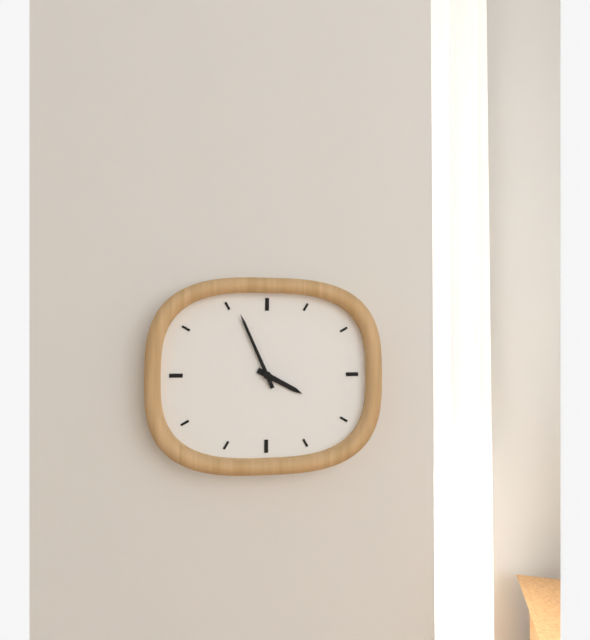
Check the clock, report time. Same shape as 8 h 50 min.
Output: 3 h 56 min
